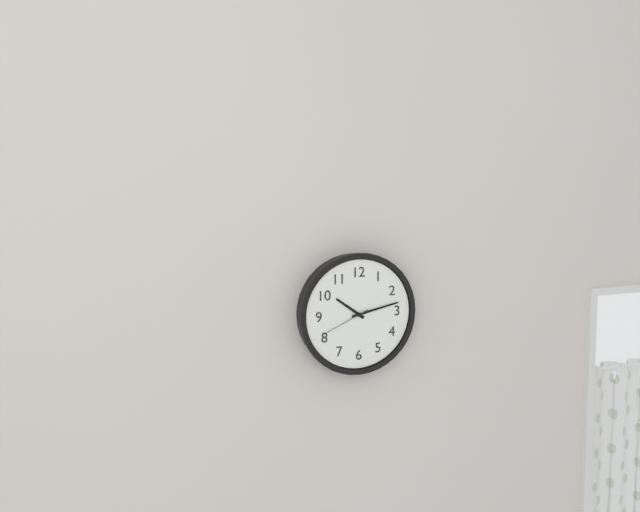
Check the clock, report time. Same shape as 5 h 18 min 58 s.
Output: 10 h 13 min 41 s
